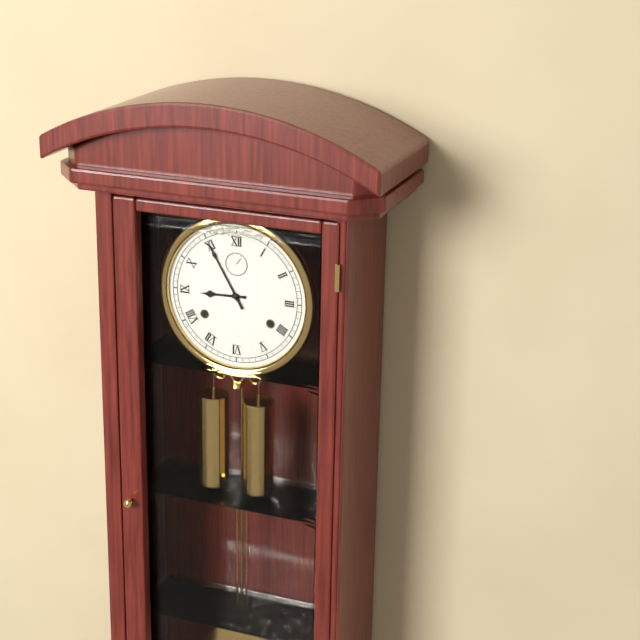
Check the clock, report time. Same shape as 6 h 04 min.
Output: 8 h 55 min
